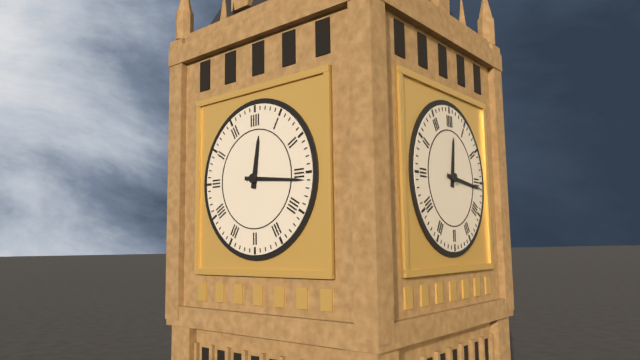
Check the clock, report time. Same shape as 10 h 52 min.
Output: 12 h 16 min
